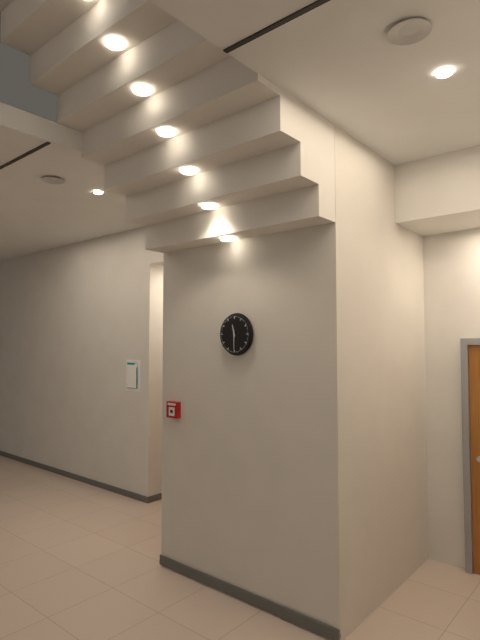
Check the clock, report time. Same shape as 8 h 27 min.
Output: 11 h 30 min
